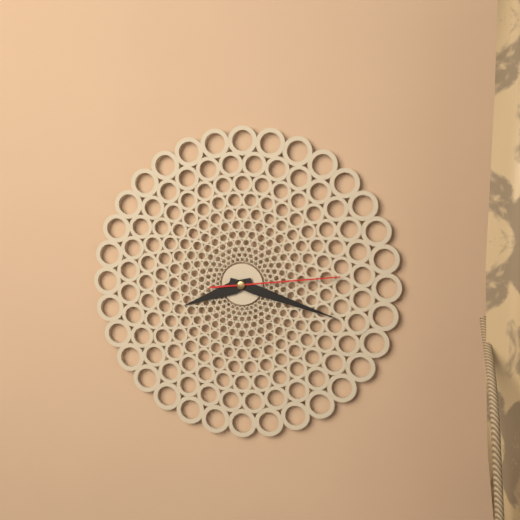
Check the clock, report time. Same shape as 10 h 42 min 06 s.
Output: 8 h 18 min 14 s
